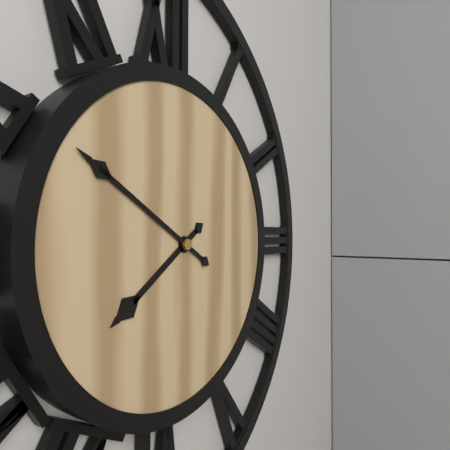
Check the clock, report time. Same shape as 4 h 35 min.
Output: 7 h 50 min
